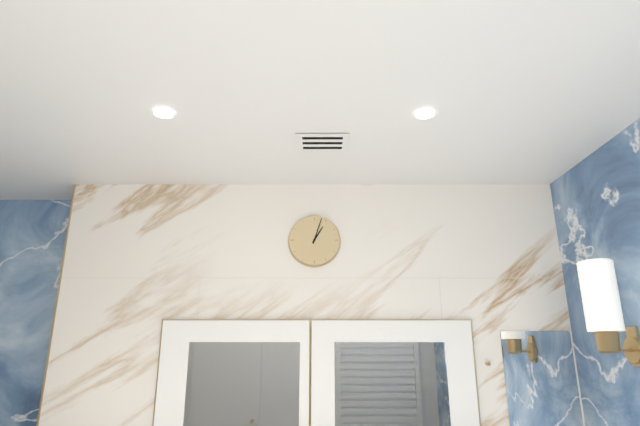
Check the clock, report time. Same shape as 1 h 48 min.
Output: 1 h 03 min
